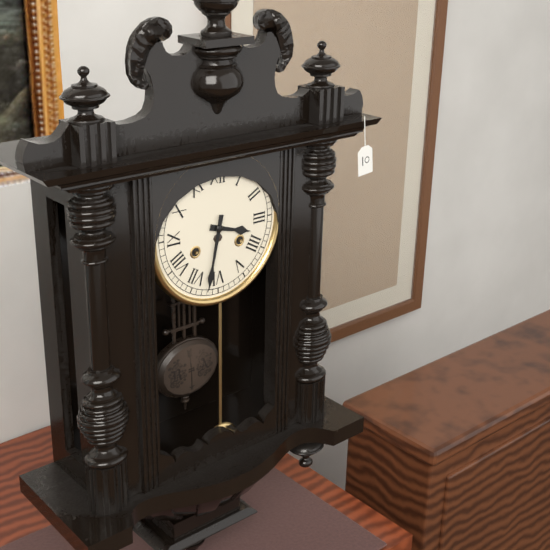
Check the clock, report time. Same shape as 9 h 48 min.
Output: 3 h 32 min
